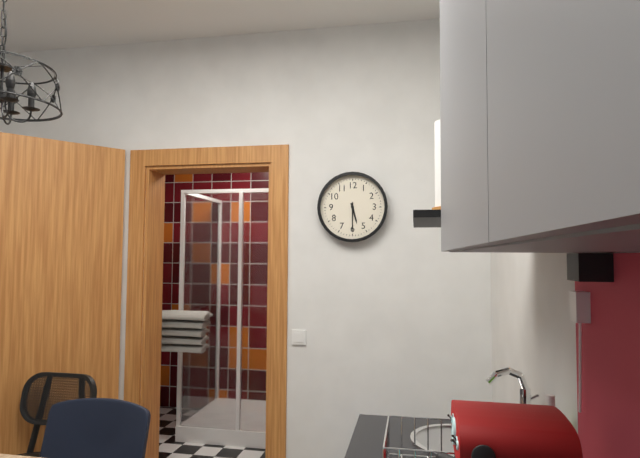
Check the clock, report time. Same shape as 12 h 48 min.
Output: 5 h 30 min
